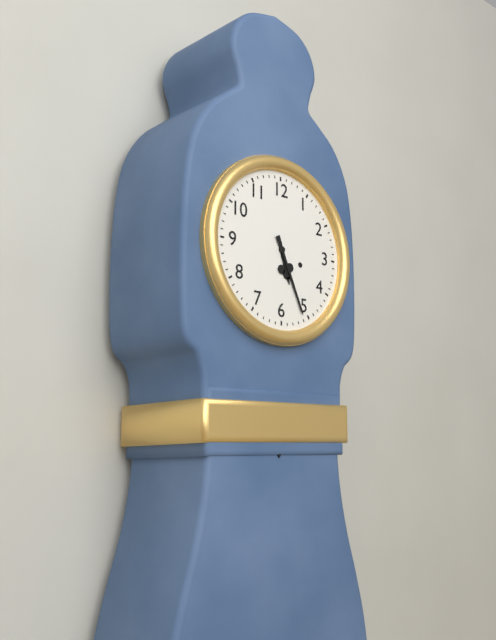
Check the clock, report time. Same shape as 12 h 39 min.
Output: 5 h 26 min
